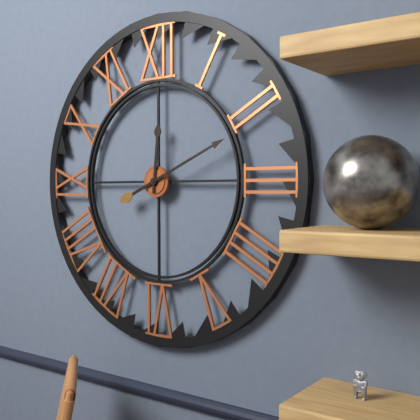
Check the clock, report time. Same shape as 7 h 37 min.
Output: 12 h 11 min
